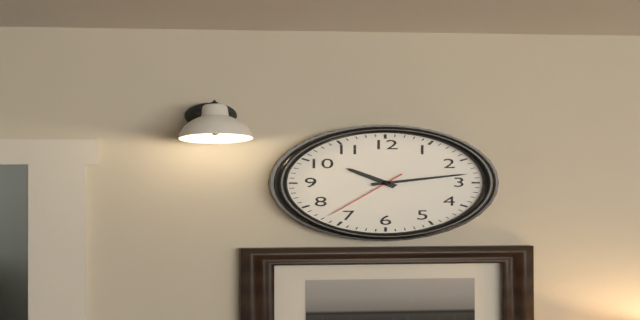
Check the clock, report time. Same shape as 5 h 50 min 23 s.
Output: 10 h 13 min 37 s
